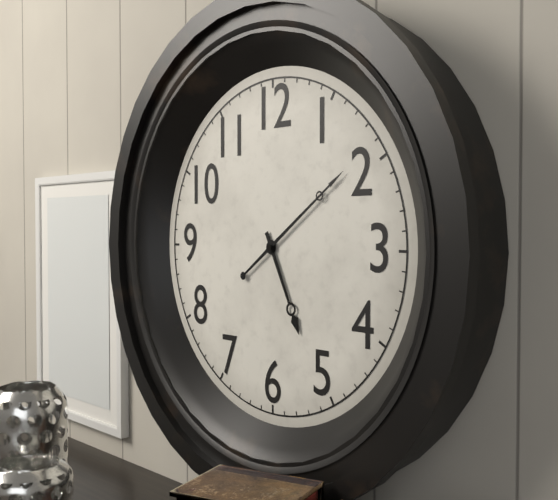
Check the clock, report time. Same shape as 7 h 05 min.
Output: 5 h 09 min
